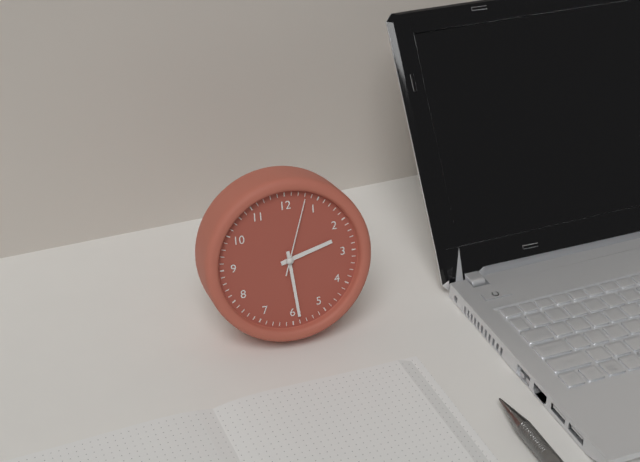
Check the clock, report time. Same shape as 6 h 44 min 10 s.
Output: 2 h 29 min 03 s
